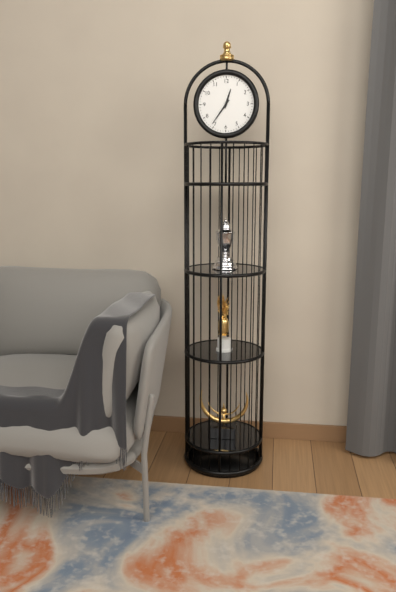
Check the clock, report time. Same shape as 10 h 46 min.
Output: 12 h 36 min
